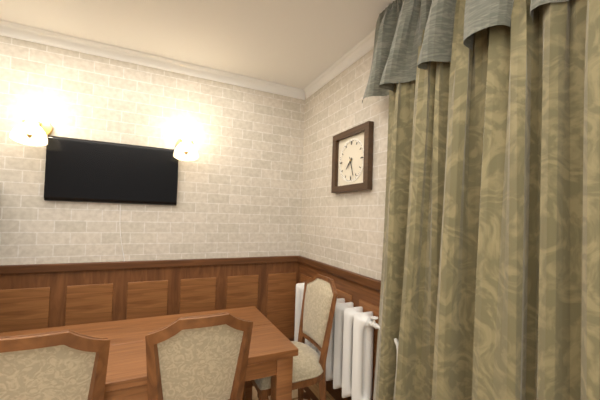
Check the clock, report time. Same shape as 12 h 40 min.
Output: 7 h 27 min
